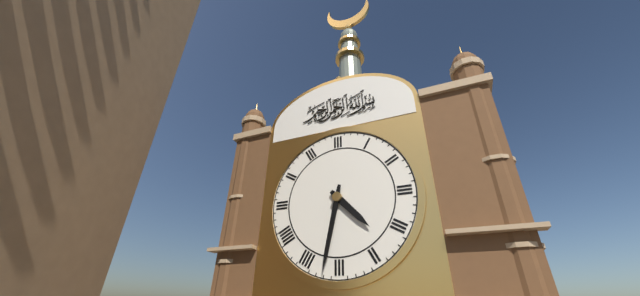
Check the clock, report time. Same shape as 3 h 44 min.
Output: 4 h 32 min
